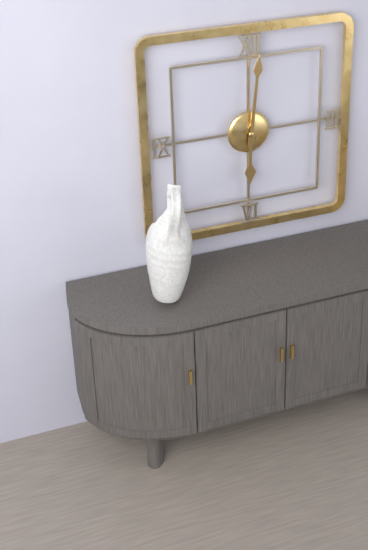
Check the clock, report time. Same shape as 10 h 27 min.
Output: 6 h 01 min
